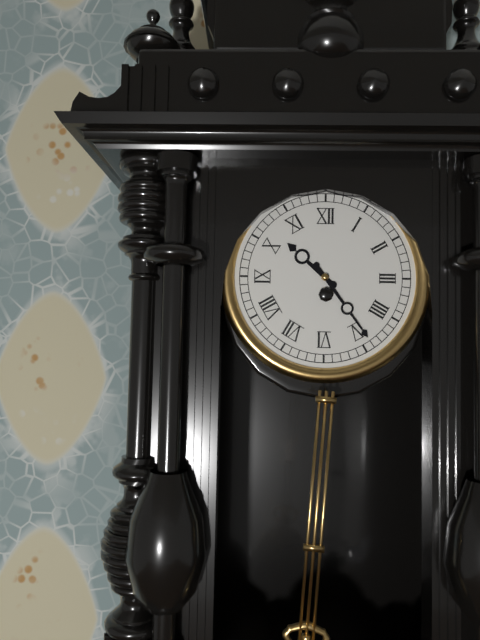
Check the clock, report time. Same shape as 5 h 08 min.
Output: 10 h 24 min
